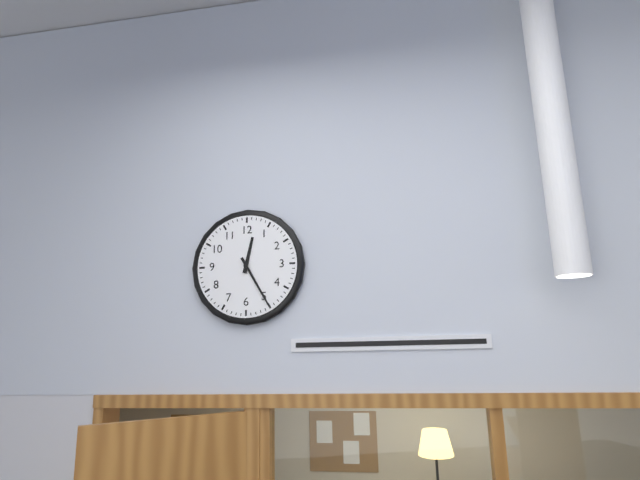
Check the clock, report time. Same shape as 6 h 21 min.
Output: 12 h 25 min
